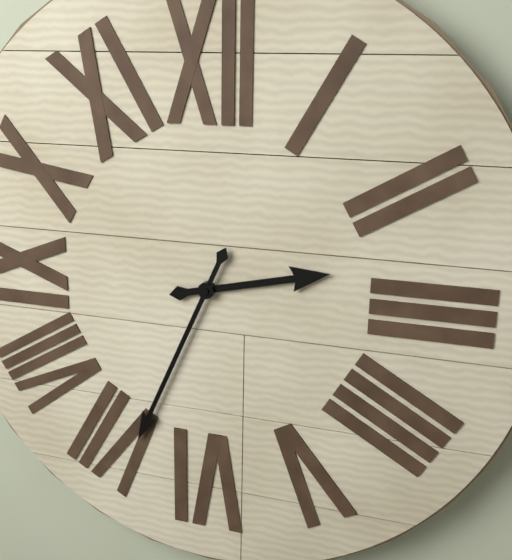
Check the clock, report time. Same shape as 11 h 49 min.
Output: 2 h 34 min
